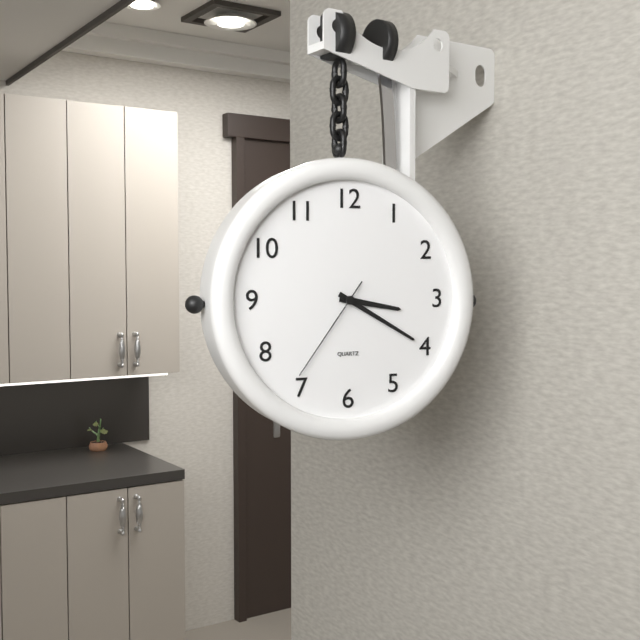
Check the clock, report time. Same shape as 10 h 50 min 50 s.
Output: 3 h 20 min 36 s
